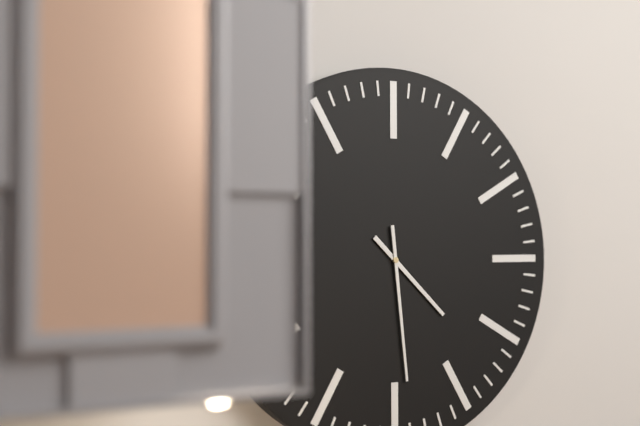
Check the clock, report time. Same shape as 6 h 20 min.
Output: 4 h 29 min
